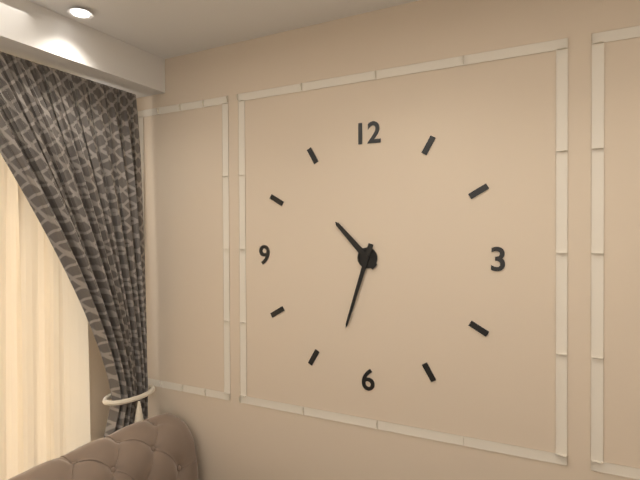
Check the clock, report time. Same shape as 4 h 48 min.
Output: 10 h 33 min
